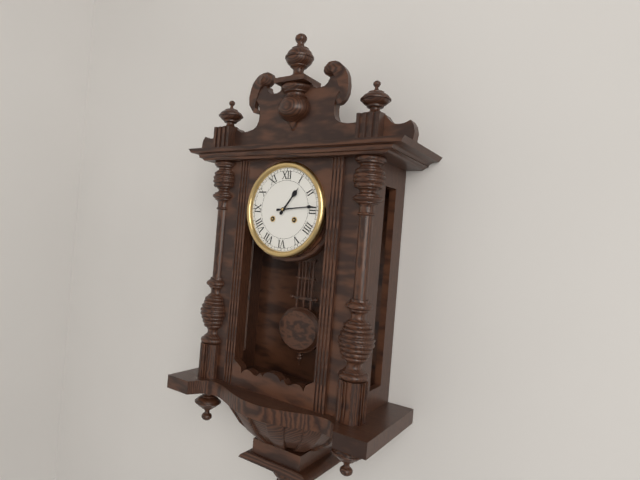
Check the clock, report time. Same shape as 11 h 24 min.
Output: 1 h 14 min
